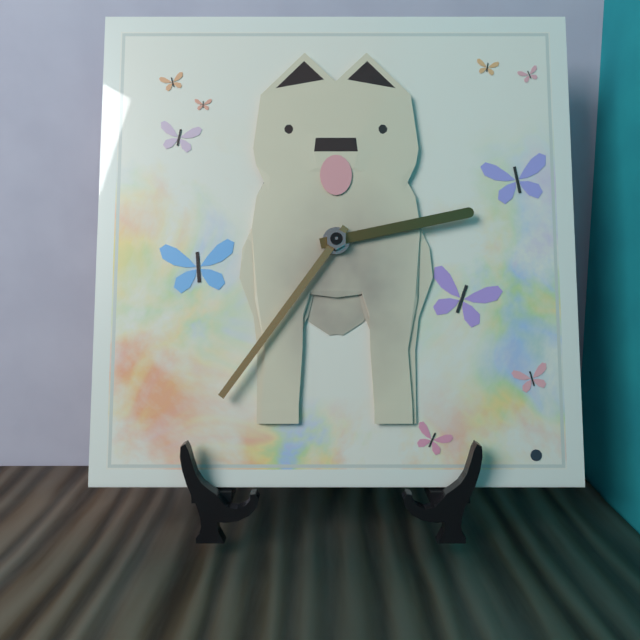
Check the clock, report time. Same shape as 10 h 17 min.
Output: 2 h 36 min
